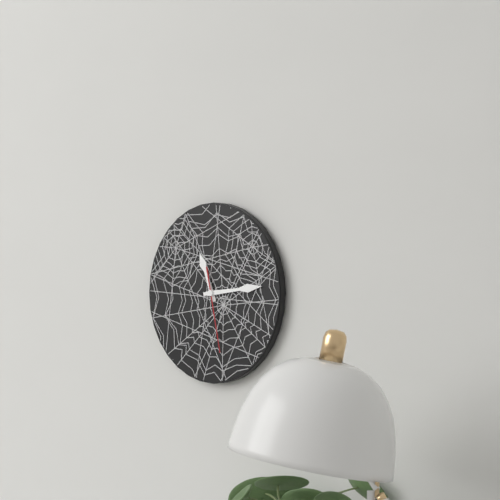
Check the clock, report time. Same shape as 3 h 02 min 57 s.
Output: 11 h 14 min 28 s
